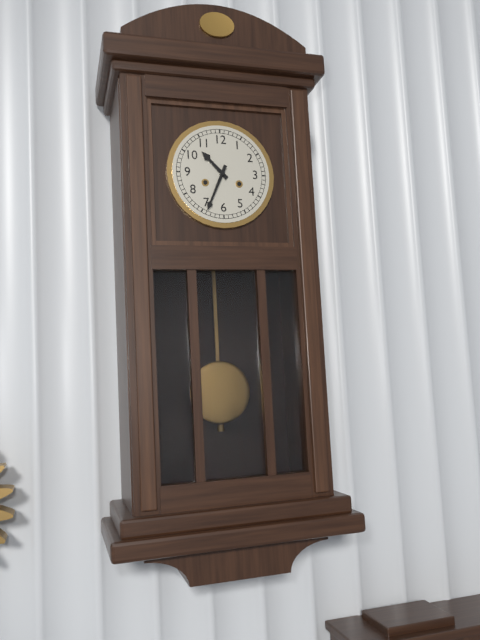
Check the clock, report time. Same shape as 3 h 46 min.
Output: 10 h 34 min
